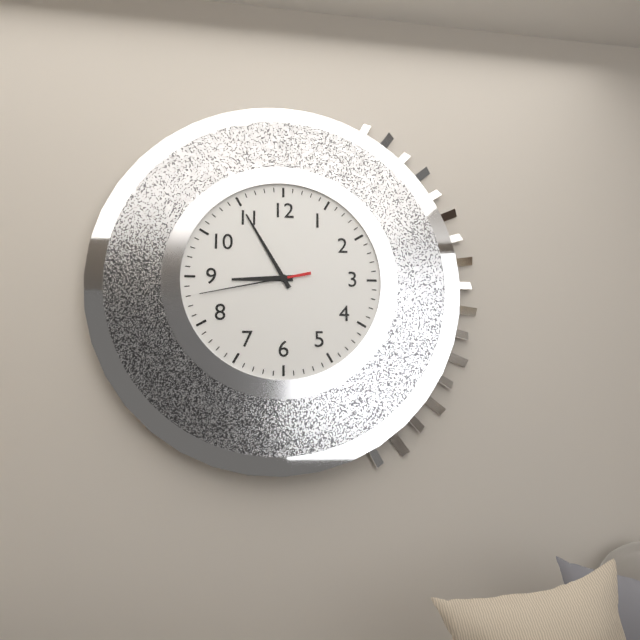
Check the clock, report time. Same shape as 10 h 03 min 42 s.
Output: 8 h 55 min 43 s
